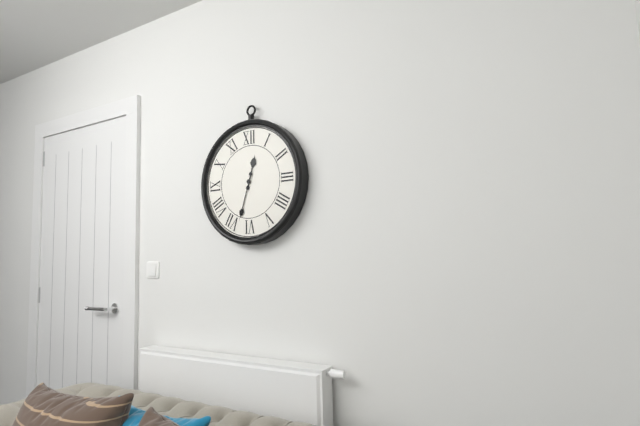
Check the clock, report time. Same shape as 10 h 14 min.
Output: 12 h 33 min
